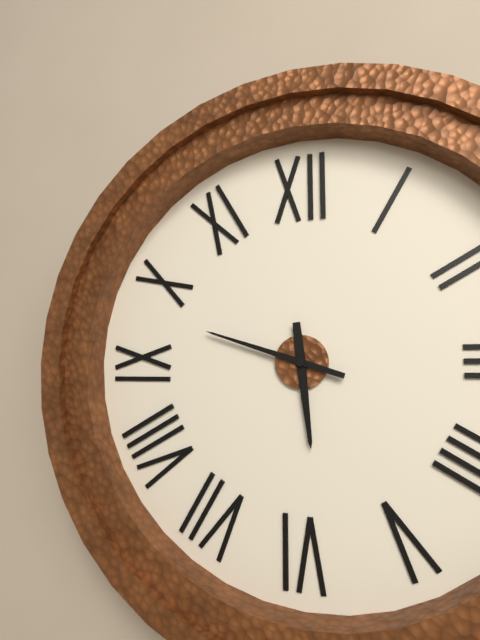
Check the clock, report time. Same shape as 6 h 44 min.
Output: 5 h 48 min
